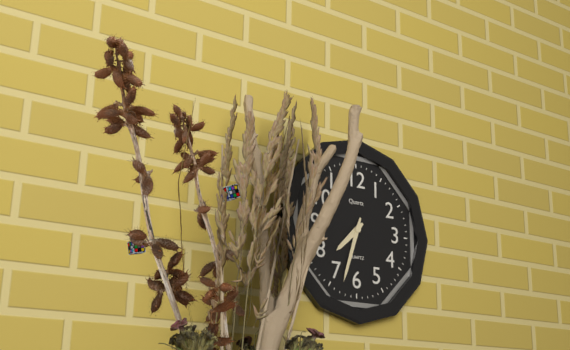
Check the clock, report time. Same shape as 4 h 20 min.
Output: 7 h 33 min
